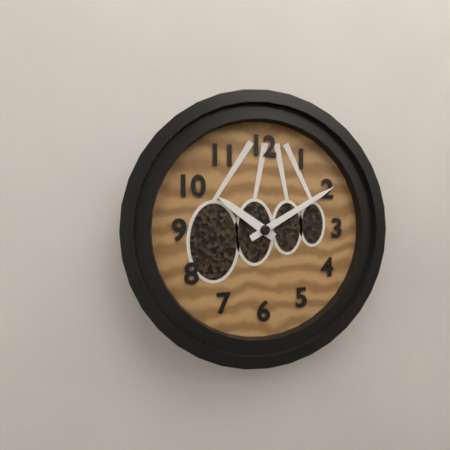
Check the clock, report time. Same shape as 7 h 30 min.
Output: 10 h 10 min
